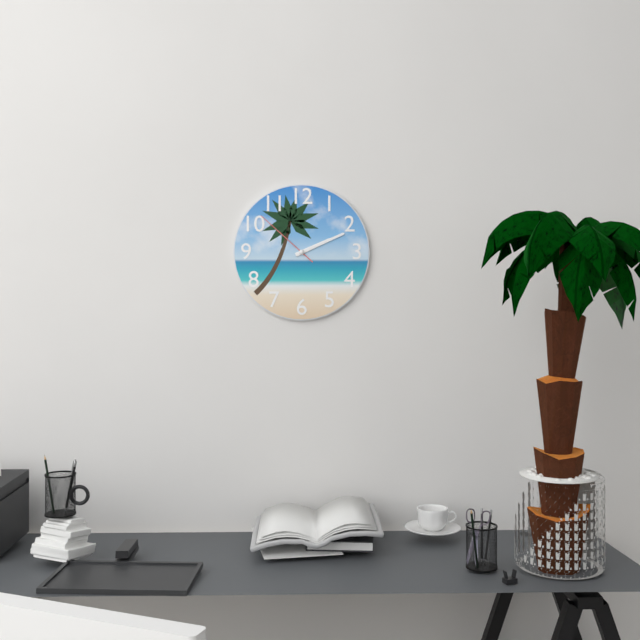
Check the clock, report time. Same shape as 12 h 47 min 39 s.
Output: 2 h 11 min 52 s
